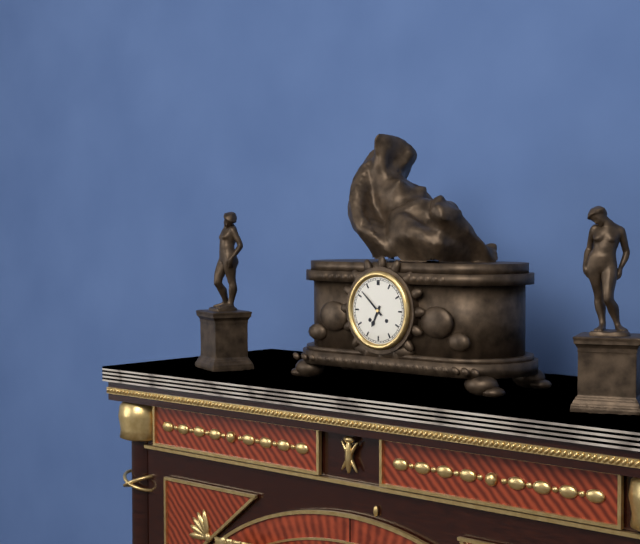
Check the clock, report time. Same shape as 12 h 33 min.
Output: 6 h 52 min
